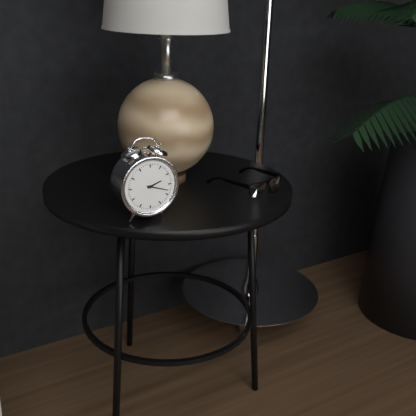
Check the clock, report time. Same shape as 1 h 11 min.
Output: 2 h 18 min
